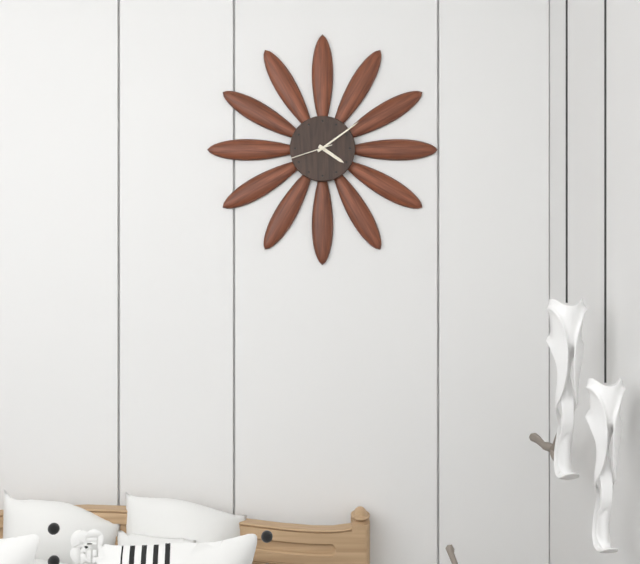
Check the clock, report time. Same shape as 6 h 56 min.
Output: 4 h 09 min
